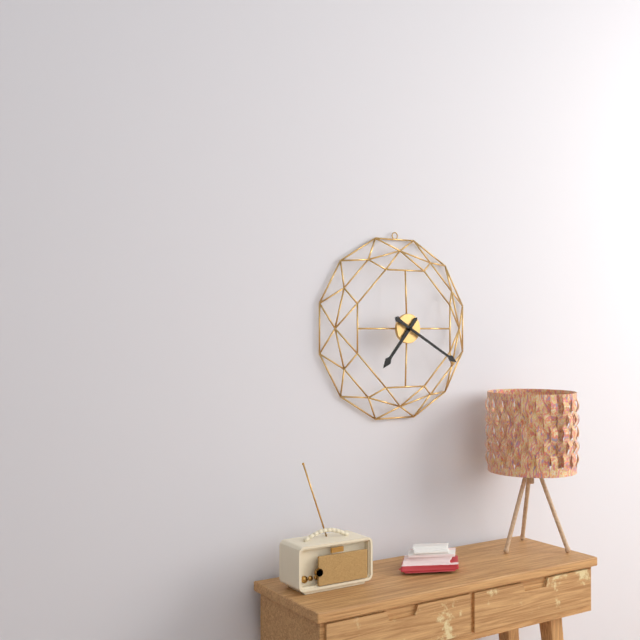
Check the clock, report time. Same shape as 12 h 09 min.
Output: 7 h 20 min
